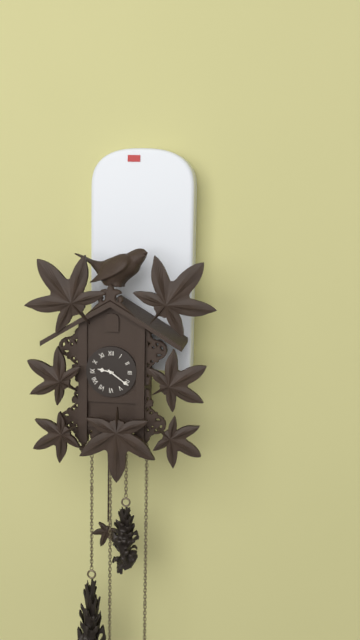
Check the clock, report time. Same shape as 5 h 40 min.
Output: 9 h 21 min
